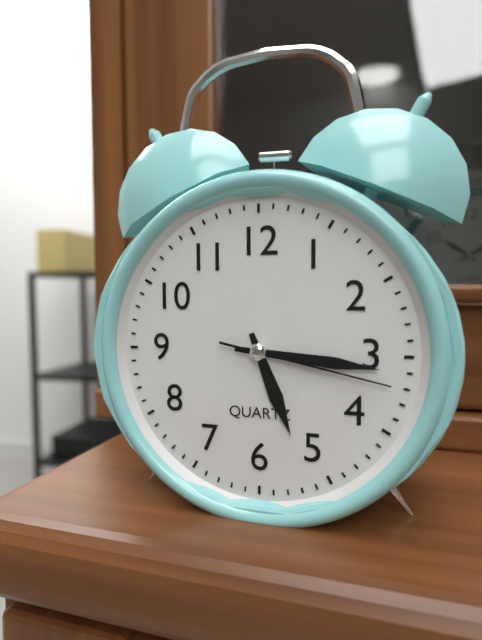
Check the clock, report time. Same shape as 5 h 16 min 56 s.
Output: 5 h 16 min 17 s
